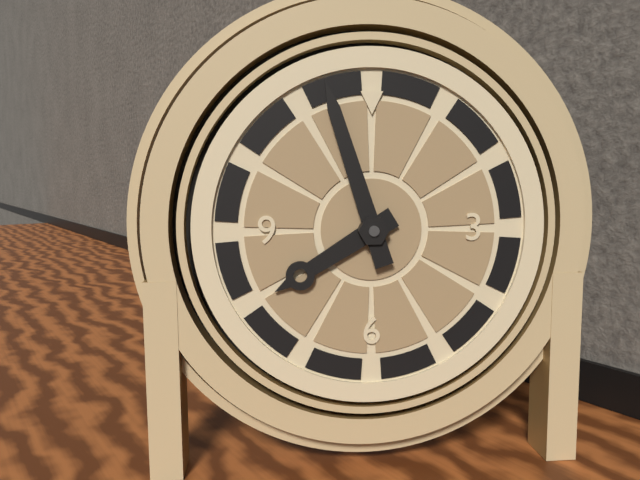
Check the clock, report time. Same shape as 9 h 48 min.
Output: 7 h 57 min
